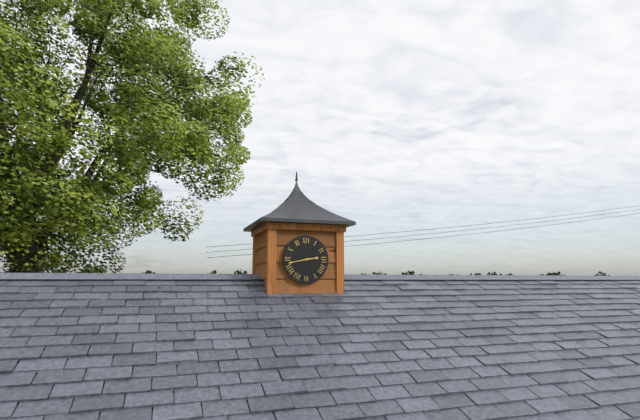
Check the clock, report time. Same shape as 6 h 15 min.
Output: 2 h 43 min
